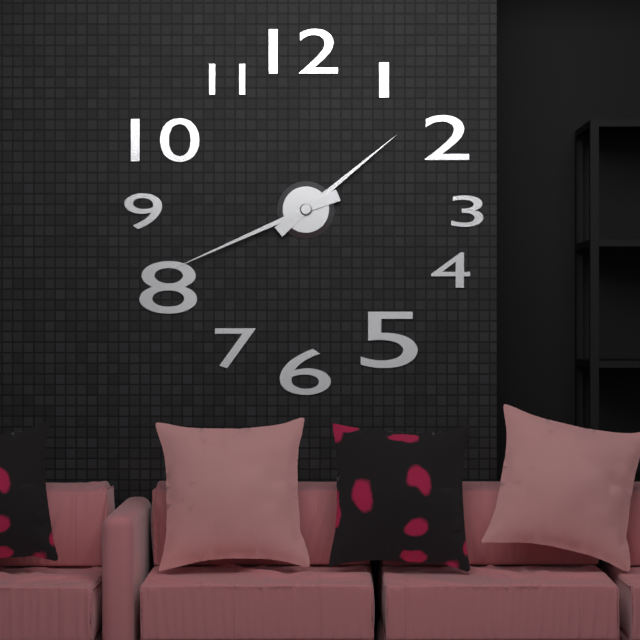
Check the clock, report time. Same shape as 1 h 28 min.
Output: 1 h 41 min
